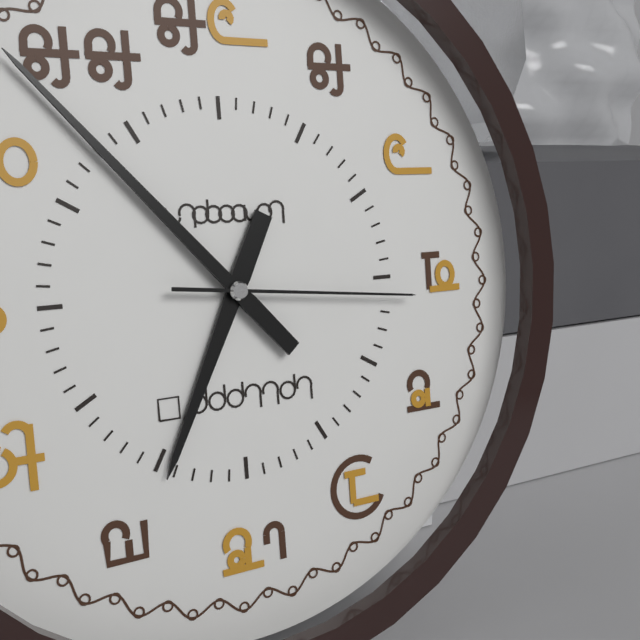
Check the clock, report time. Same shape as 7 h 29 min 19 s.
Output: 6 h 53 min 16 s
